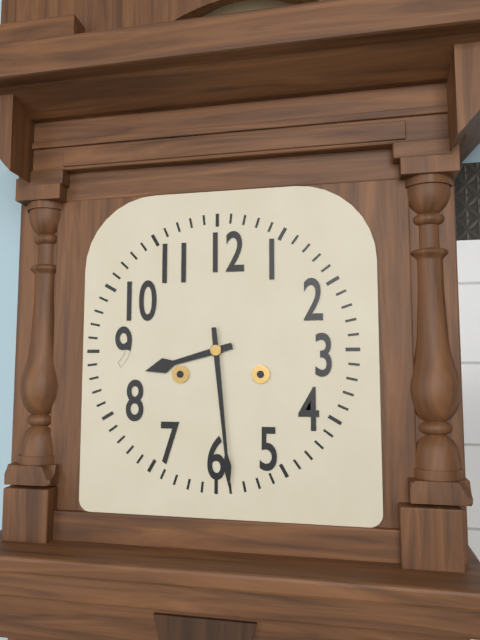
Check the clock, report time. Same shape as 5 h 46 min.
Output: 8 h 29 min
